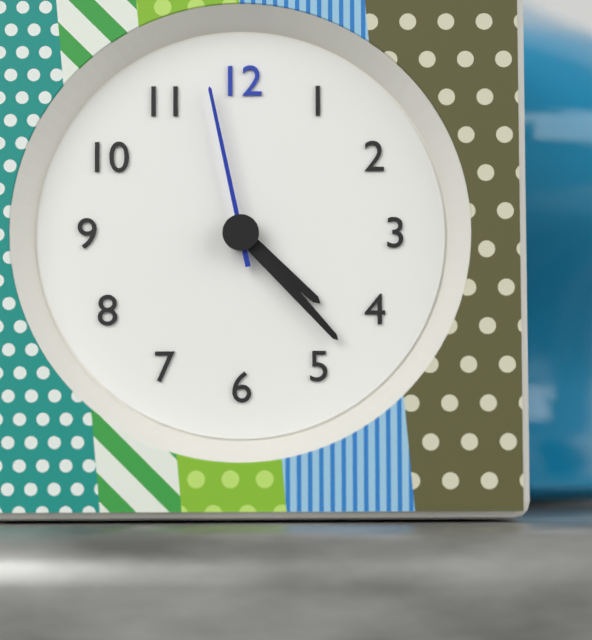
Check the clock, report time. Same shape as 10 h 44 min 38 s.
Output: 4 h 23 min 58 s
